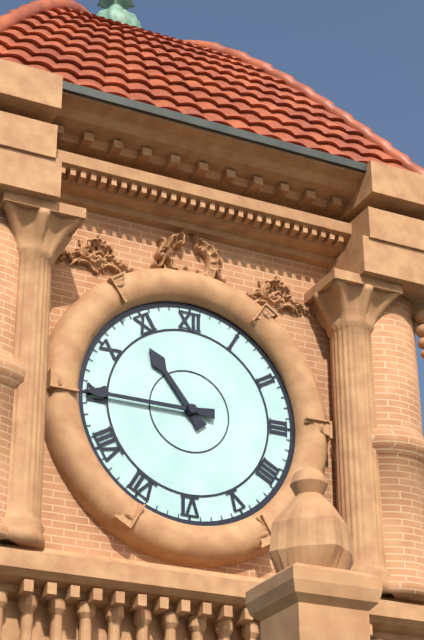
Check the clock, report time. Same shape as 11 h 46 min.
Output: 10 h 45 min
